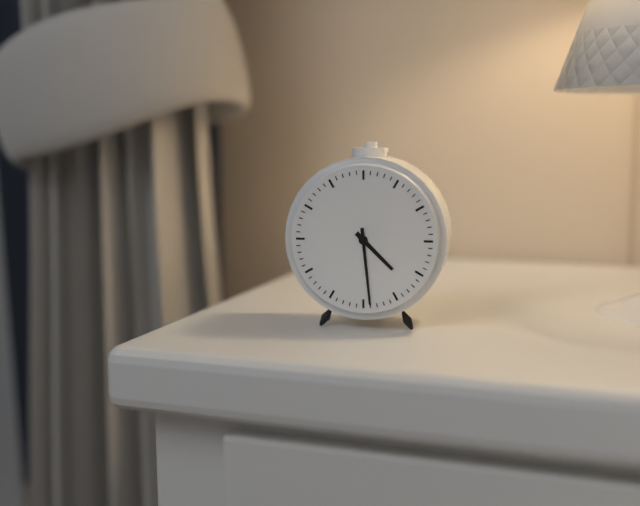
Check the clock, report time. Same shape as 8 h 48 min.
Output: 4 h 29 min
